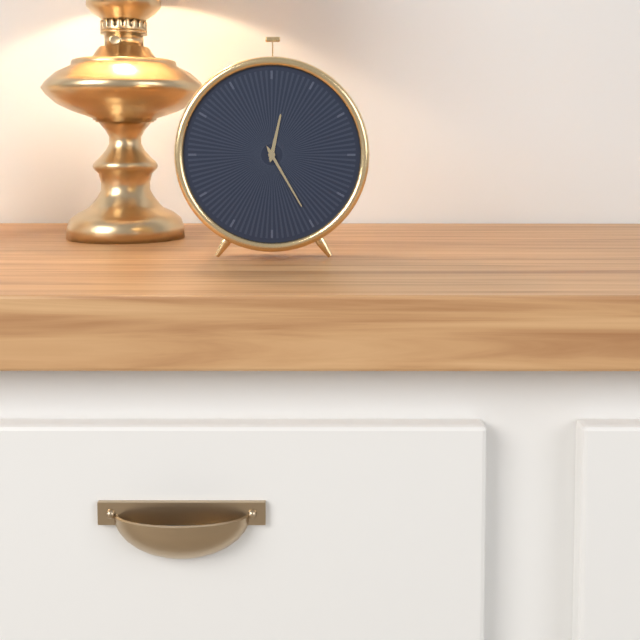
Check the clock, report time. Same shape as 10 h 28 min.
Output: 12 h 25 min
